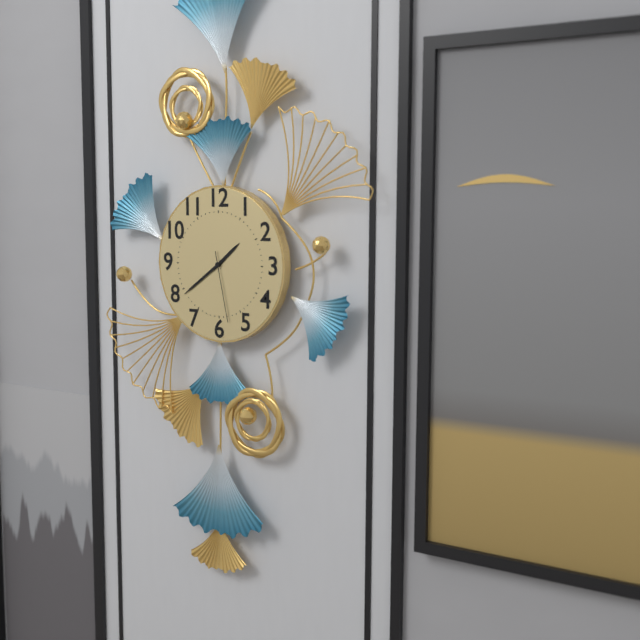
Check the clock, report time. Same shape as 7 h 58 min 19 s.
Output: 1 h 39 min 28 s
